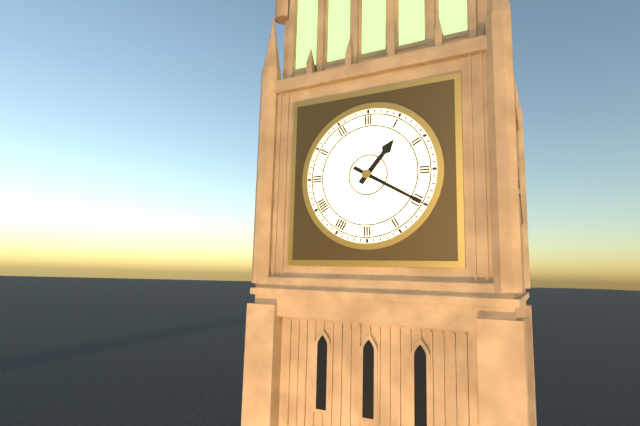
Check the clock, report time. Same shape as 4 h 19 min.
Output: 1 h 20 min
